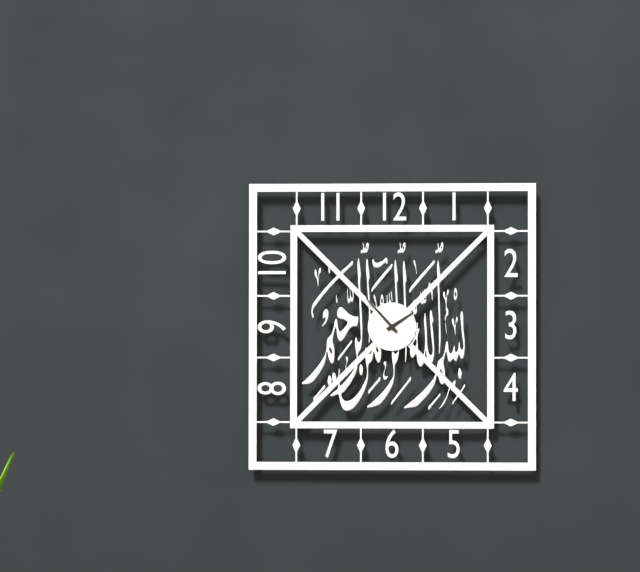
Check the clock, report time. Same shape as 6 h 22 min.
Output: 1 h 53 min
